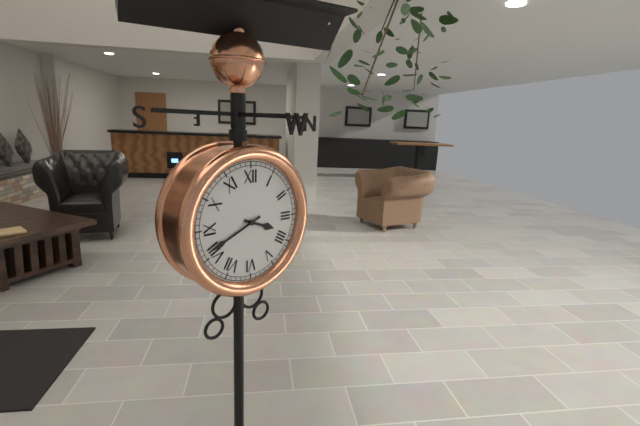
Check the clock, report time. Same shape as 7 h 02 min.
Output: 3 h 41 min
